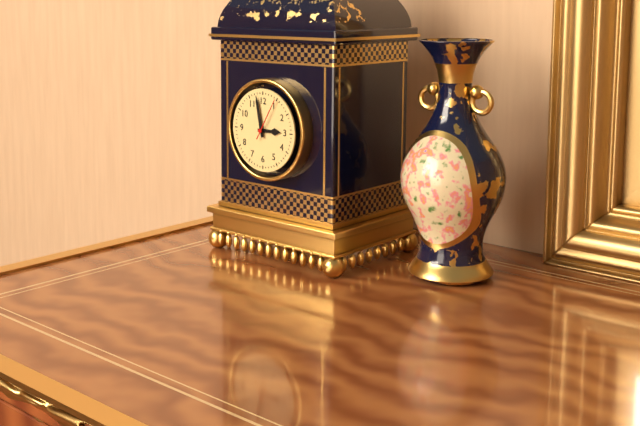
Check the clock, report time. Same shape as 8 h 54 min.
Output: 2 h 58 min
